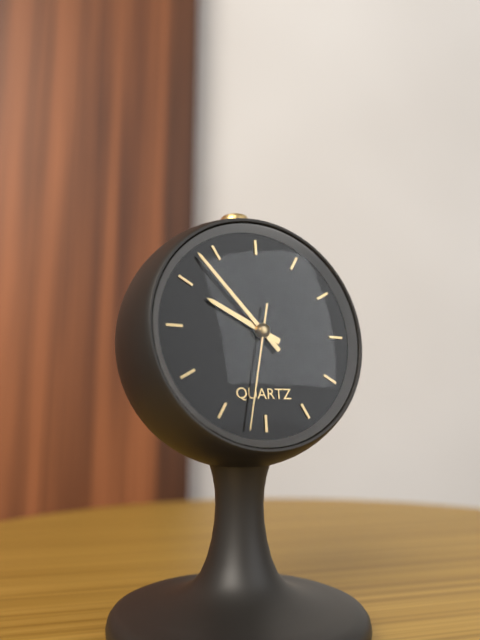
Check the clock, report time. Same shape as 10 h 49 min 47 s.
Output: 9 h 53 min 32 s
